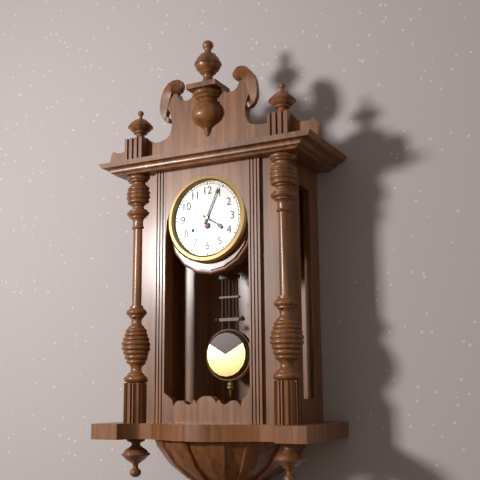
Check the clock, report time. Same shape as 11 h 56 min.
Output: 4 h 04 min
